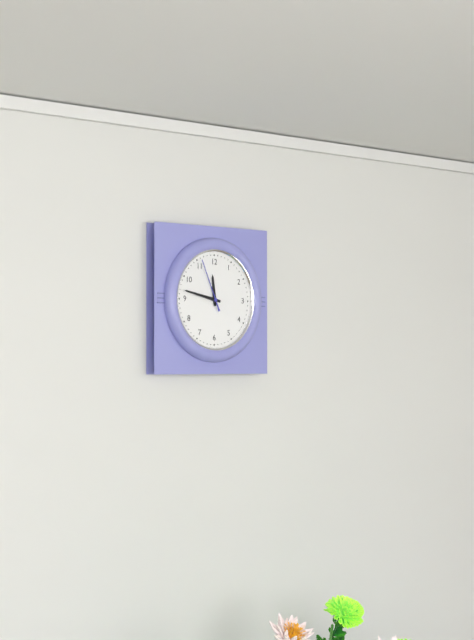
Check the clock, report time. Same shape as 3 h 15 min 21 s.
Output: 11 h 47 min 56 s
